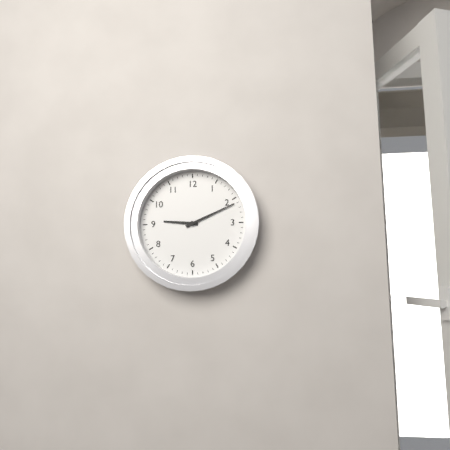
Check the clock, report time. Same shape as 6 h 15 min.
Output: 9 h 11 min
